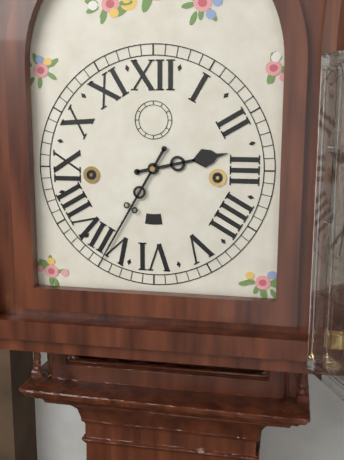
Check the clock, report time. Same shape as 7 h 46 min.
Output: 2 h 35 min
